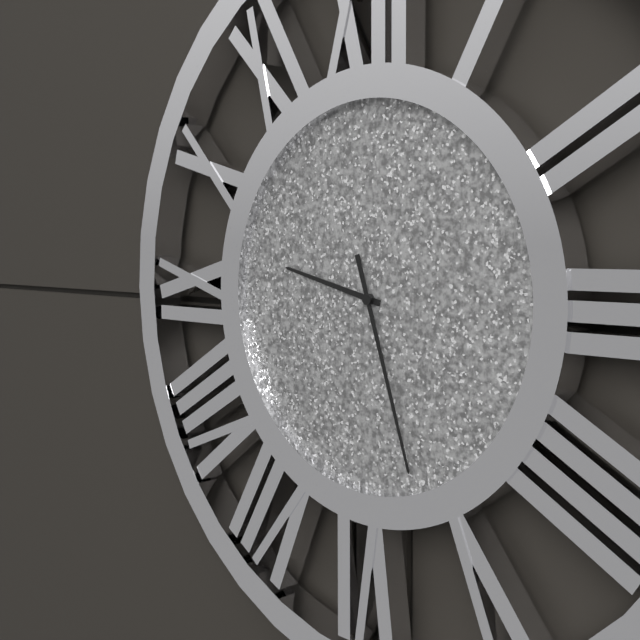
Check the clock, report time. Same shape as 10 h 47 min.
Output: 9 h 27 min
